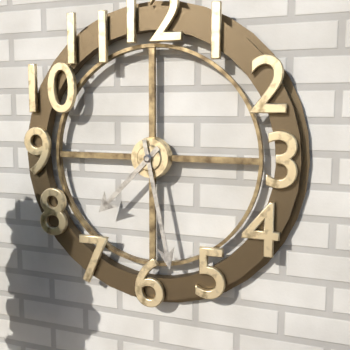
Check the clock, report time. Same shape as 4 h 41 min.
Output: 7 h 28 min
